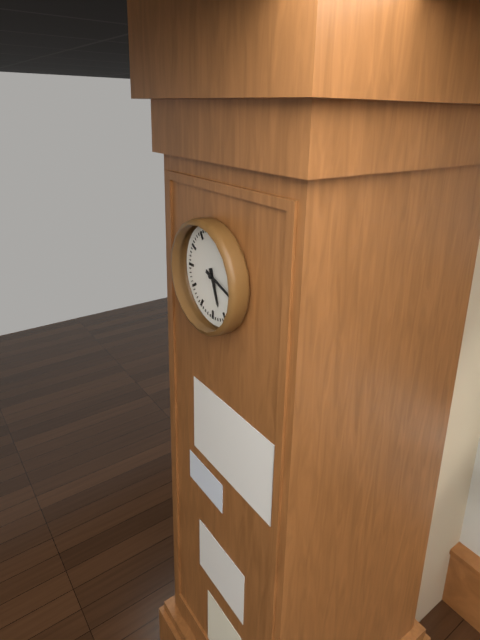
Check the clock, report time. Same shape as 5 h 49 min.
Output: 5 h 18 min
